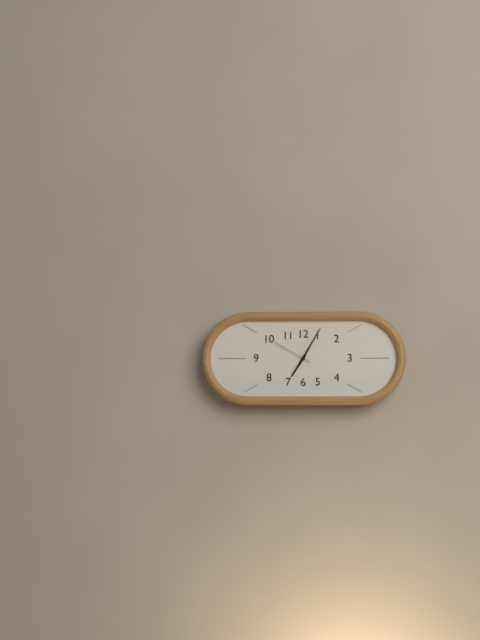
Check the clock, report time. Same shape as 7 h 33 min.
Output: 7 h 05 min
